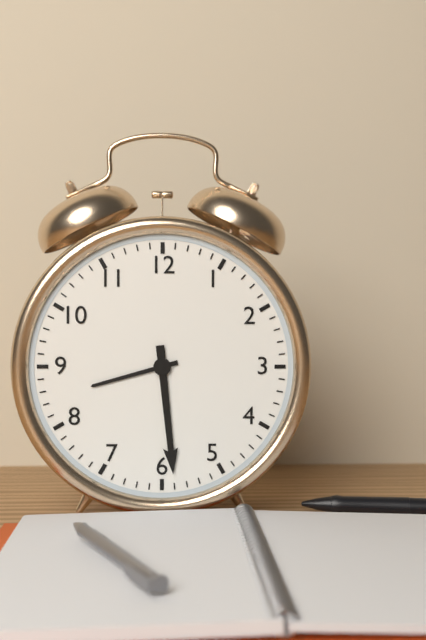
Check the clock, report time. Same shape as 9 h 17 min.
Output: 8 h 29 min
